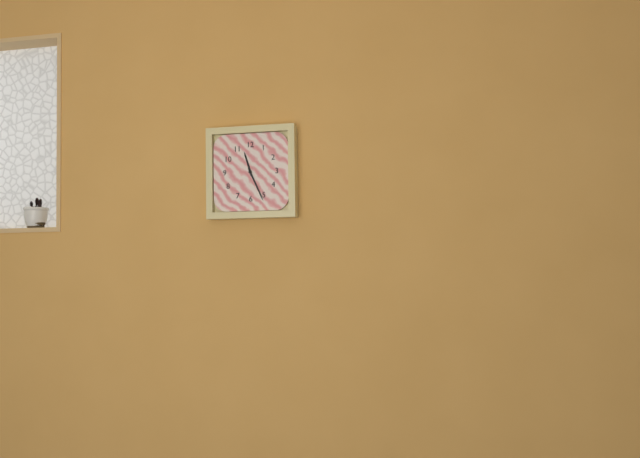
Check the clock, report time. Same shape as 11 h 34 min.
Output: 11 h 26 min
